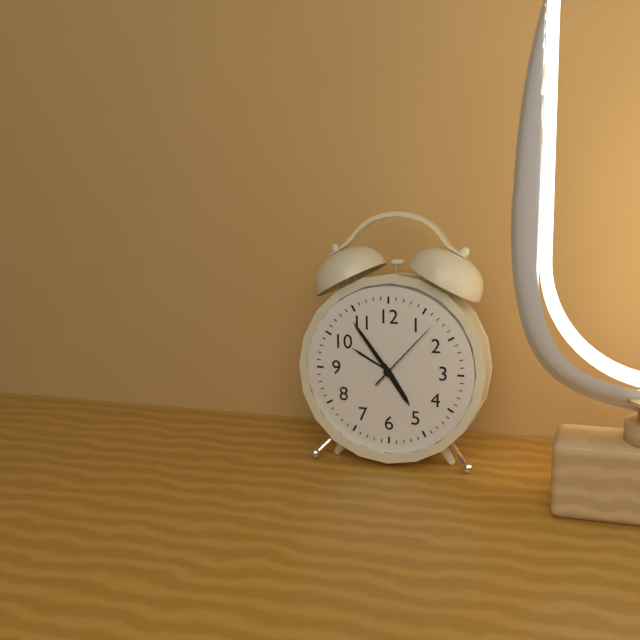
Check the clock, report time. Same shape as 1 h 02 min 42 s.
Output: 4 h 54 min 07 s
